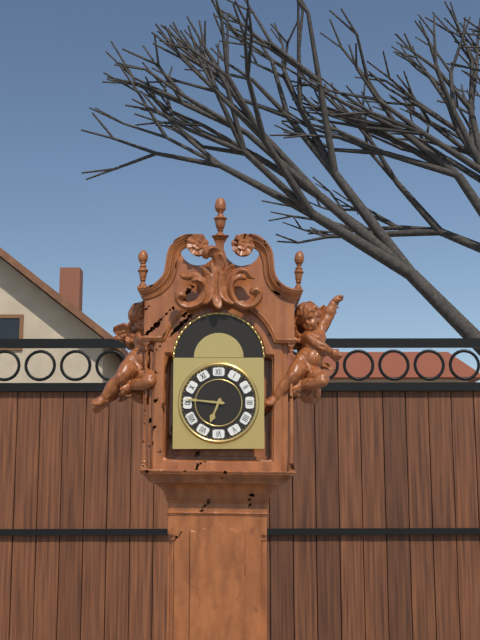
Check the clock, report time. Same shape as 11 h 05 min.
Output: 6 h 46 min
